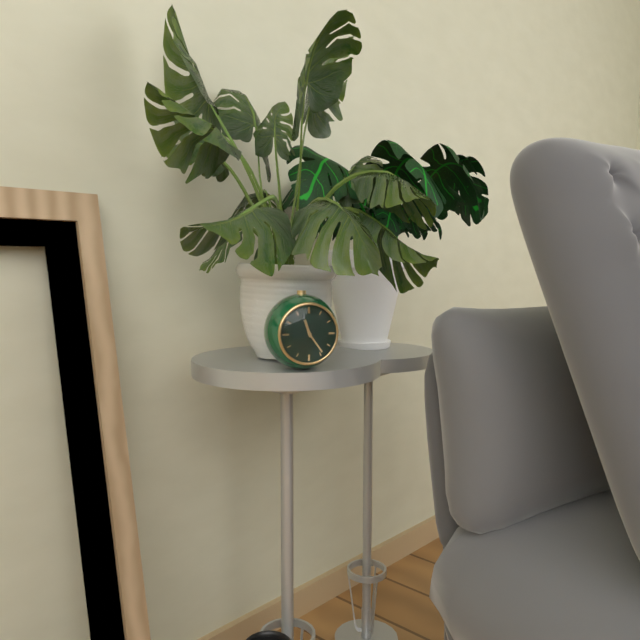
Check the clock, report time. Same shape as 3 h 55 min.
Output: 11 h 24 min
